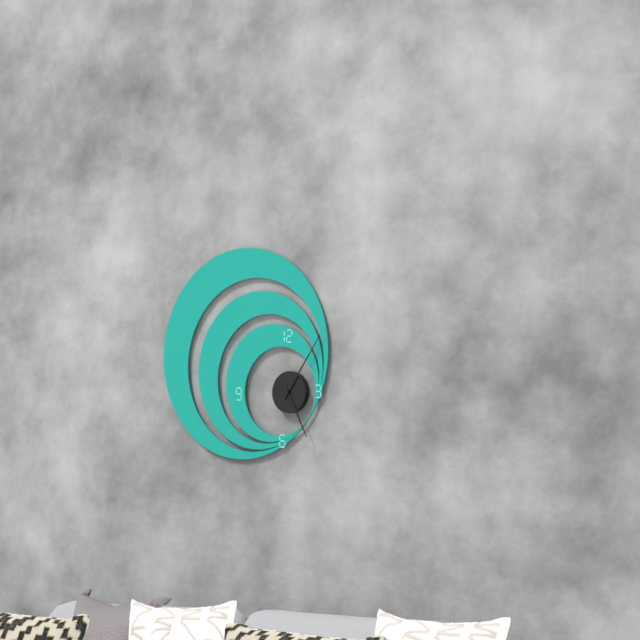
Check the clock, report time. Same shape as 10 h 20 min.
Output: 5 h 06 min
